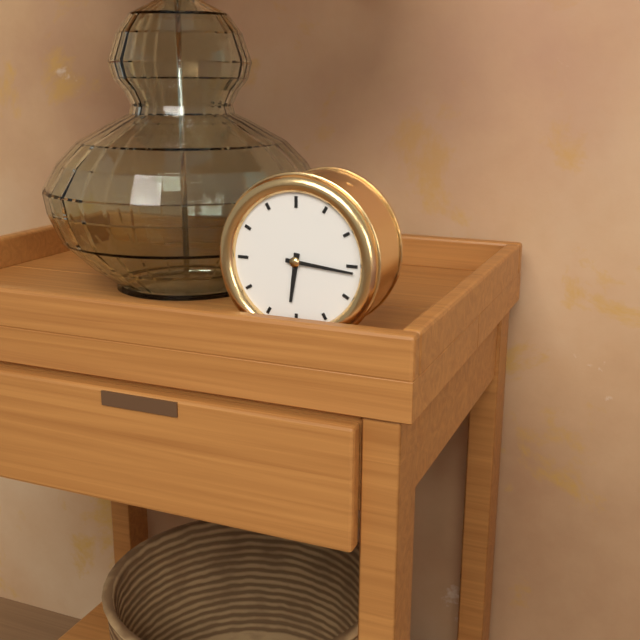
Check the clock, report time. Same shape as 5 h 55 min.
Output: 6 h 16 min
